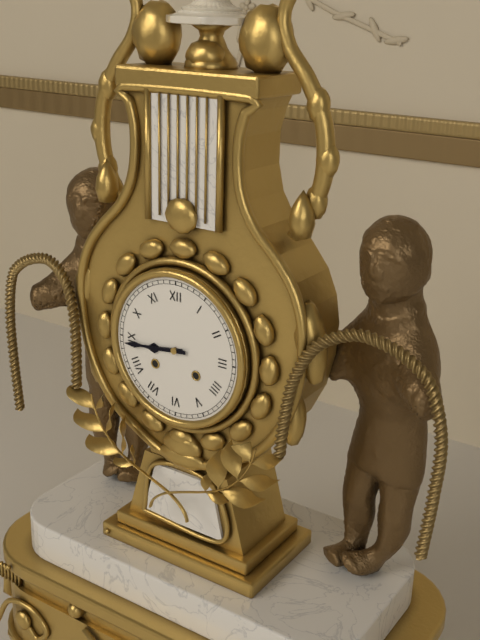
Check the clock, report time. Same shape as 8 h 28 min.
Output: 8 h 44 min
